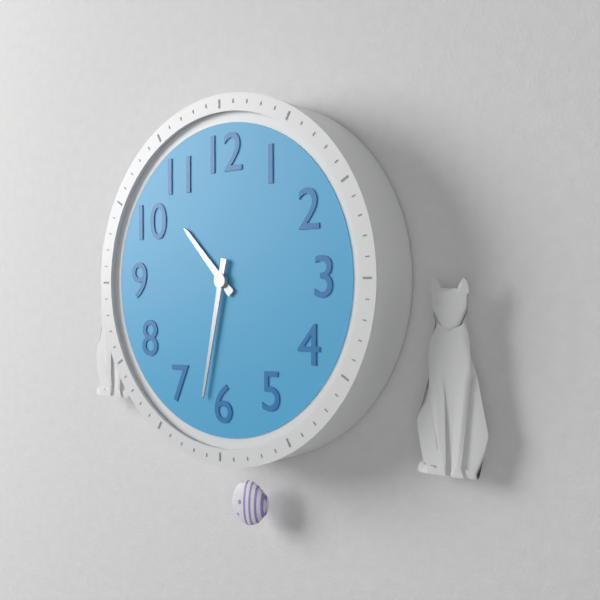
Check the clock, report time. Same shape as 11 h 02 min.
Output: 10 h 32 min
